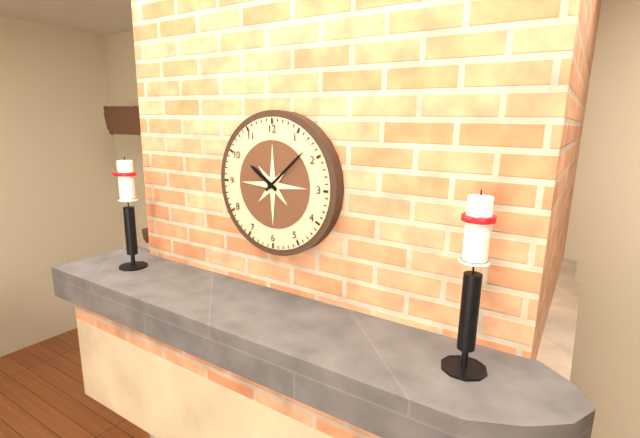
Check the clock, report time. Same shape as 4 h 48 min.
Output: 10 h 08 min
